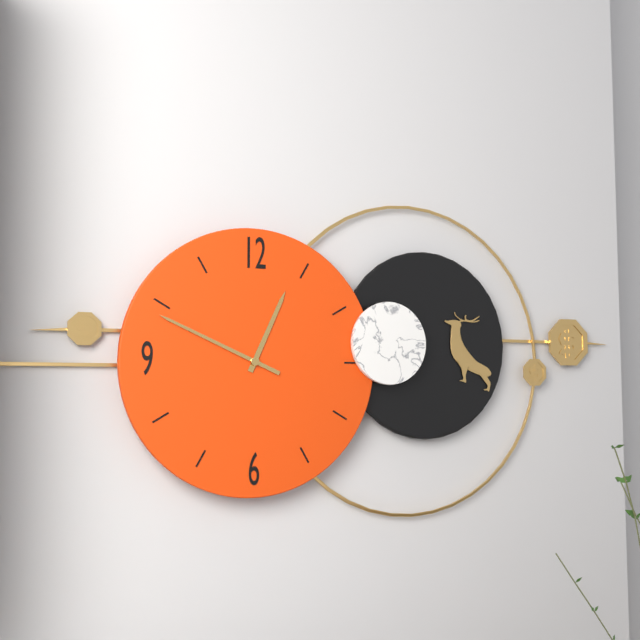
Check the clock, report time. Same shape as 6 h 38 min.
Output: 12 h 49 min
